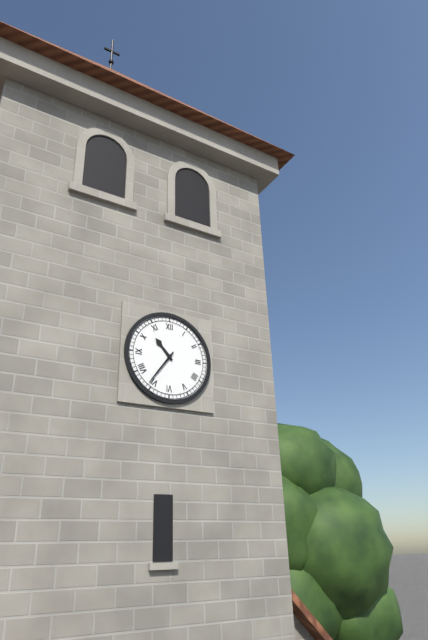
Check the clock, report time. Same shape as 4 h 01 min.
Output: 10 h 36 min
